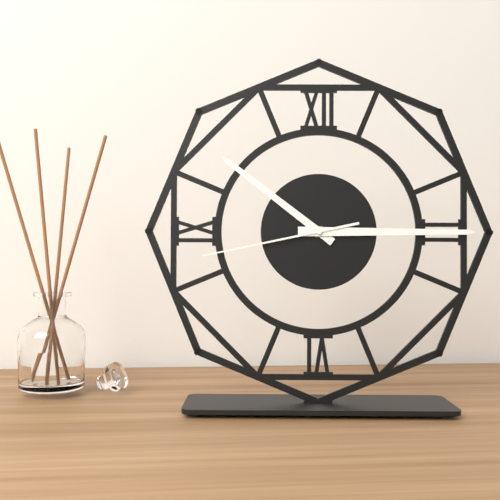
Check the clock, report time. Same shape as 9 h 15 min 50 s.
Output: 10 h 15 min 43 s
